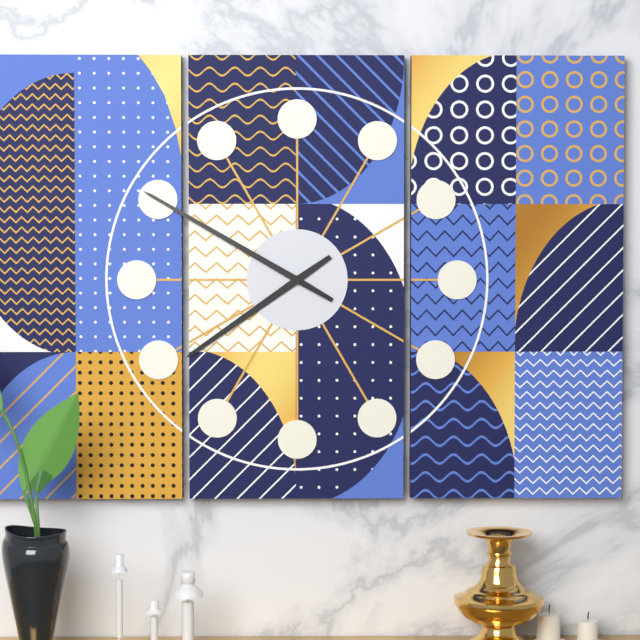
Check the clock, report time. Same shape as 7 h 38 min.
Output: 7 h 50 min
